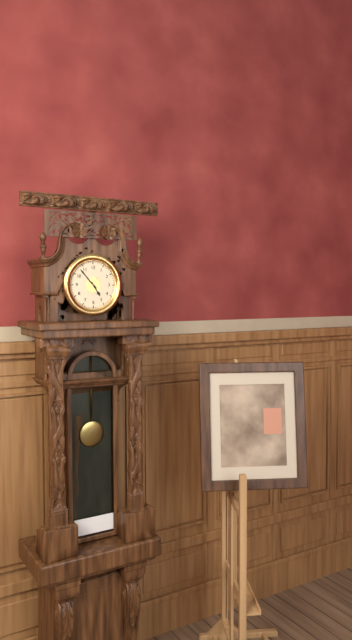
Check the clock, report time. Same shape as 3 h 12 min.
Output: 4 h 53 min
